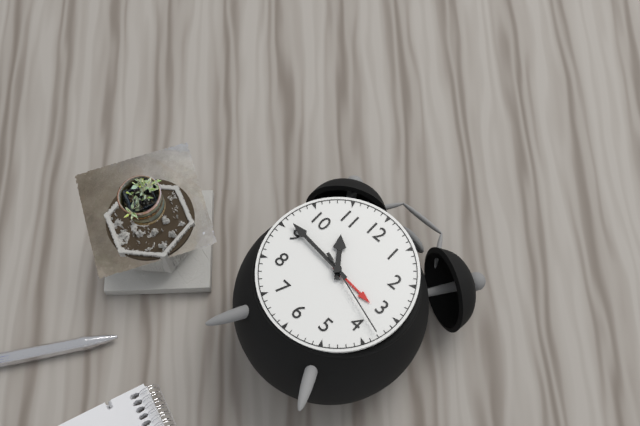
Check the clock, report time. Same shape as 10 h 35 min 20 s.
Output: 10 h 46 min 18 s
